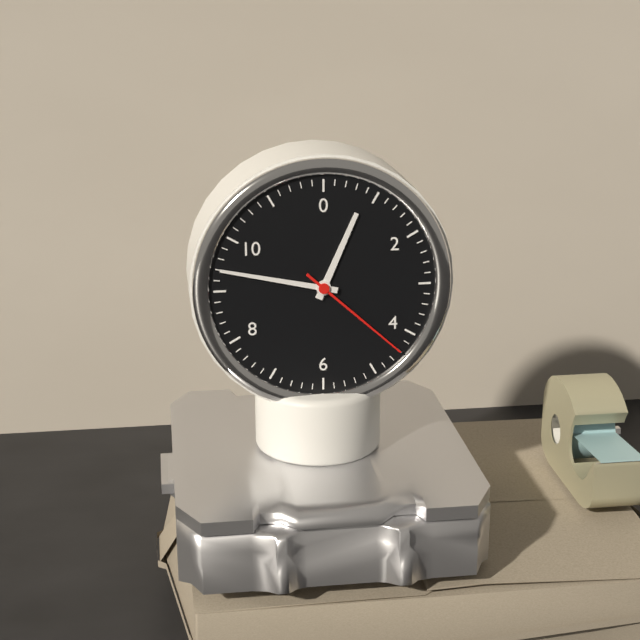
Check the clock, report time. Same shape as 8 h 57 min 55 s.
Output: 12 h 47 min 22 s
